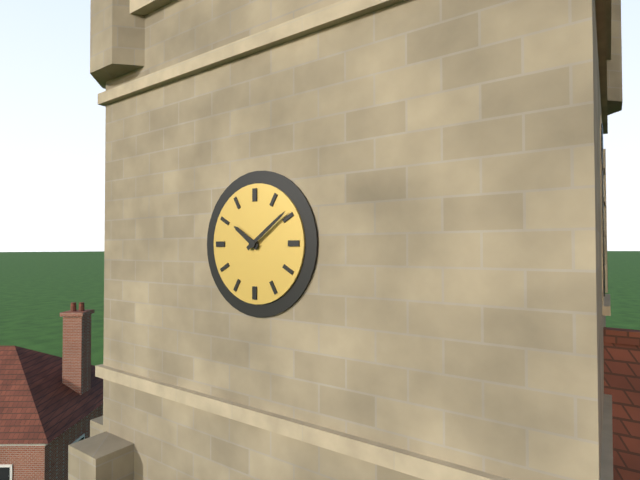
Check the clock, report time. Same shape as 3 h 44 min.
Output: 10 h 09 min
